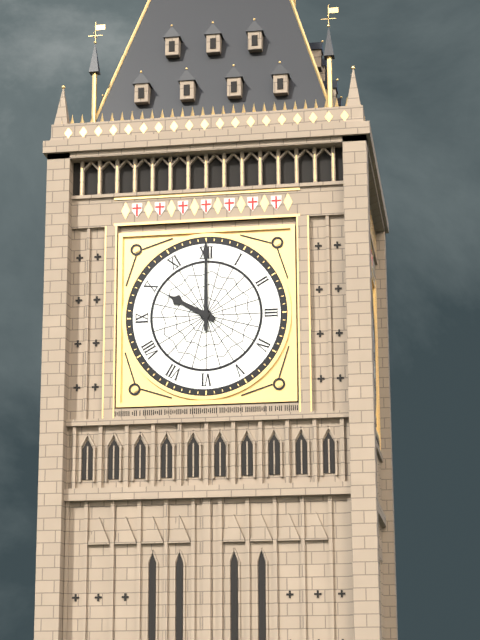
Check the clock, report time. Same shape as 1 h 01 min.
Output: 10 h 00 min
